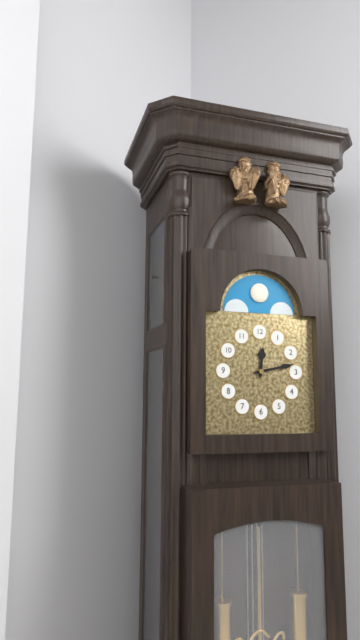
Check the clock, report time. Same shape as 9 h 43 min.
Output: 12 h 13 min
